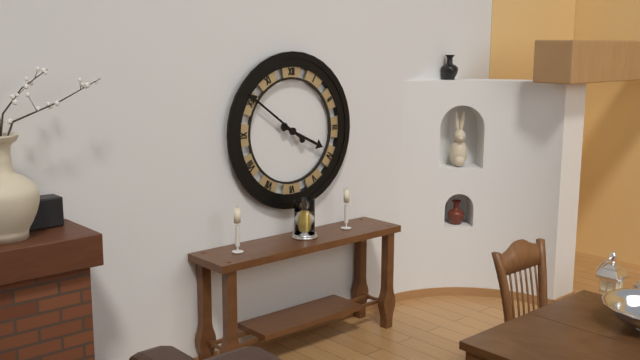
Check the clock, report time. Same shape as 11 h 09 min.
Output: 3 h 51 min
